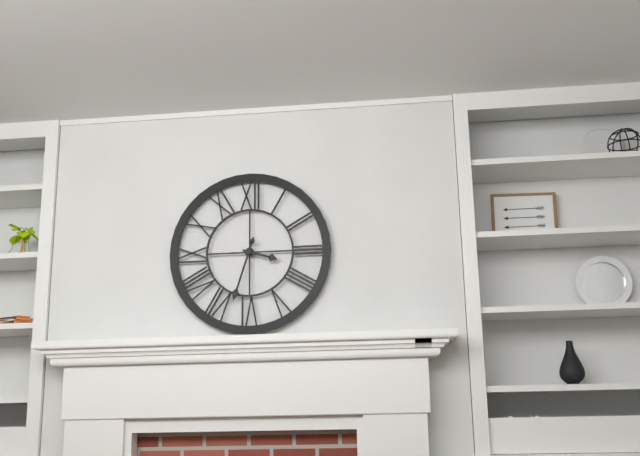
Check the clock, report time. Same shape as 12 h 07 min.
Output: 3 h 33 min
